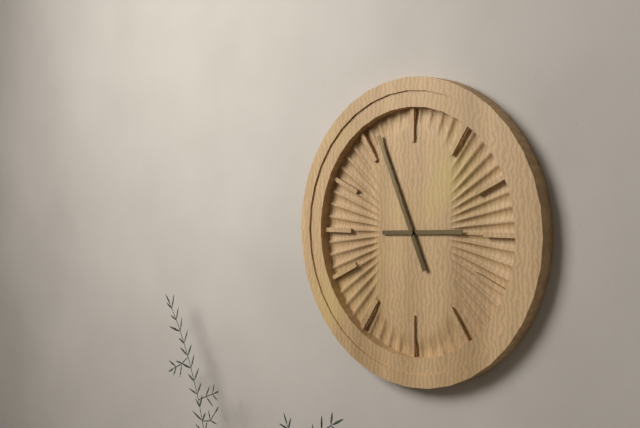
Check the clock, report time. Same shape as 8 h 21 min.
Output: 2 h 56 min
